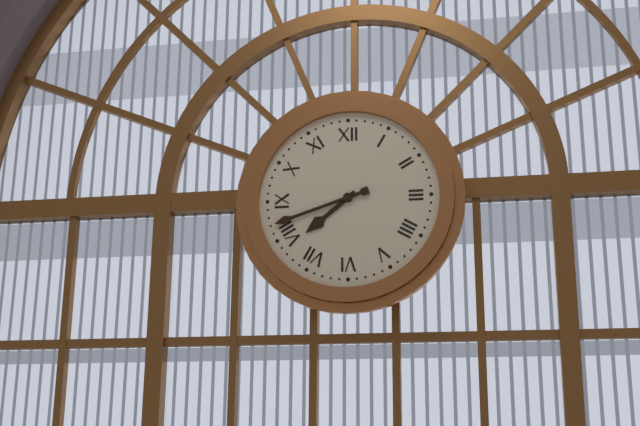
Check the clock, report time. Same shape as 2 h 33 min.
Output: 7 h 42 min
